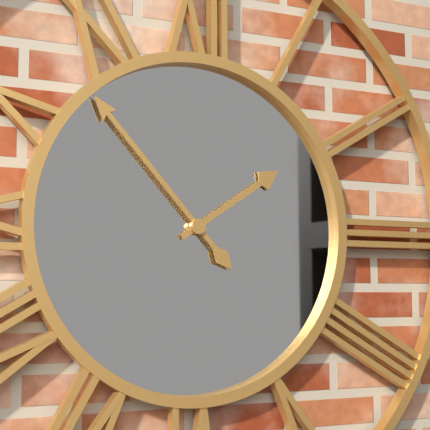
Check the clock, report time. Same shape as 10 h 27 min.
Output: 1 h 53 min
